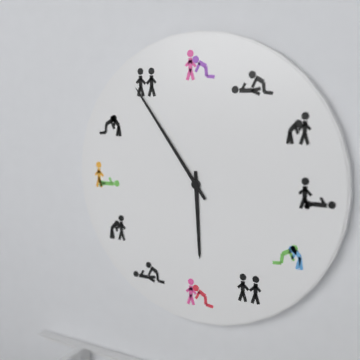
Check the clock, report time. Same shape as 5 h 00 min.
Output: 5 h 54 min
